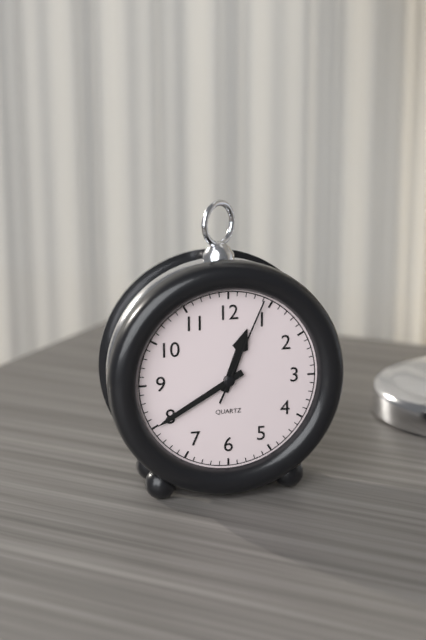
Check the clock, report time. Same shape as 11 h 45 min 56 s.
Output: 12 h 40 min 04 s
